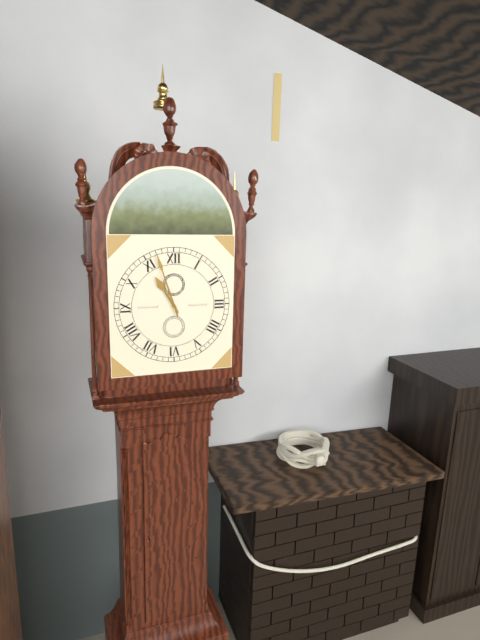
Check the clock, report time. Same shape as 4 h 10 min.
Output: 10 h 57 min
